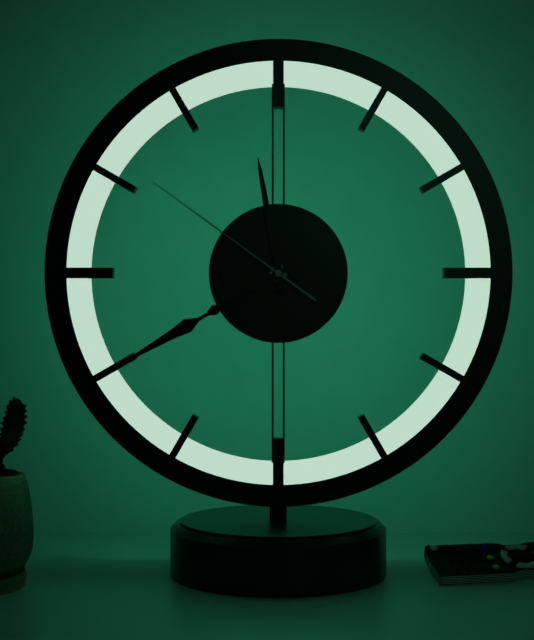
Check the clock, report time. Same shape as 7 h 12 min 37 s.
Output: 11 h 40 min 51 s
